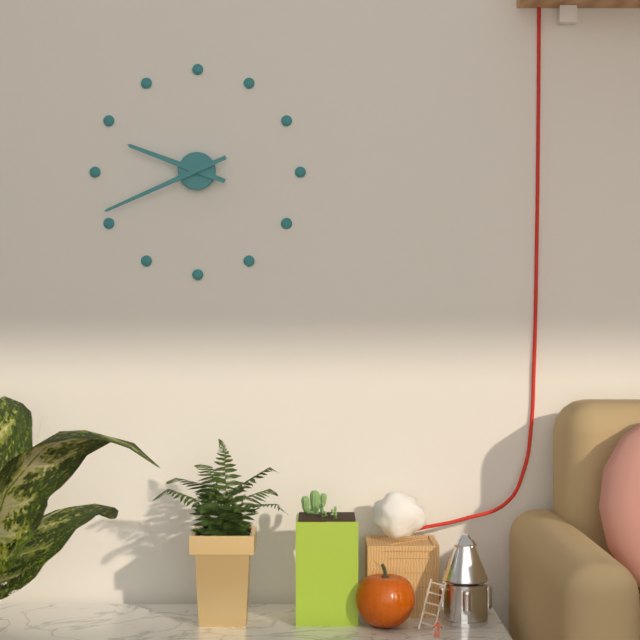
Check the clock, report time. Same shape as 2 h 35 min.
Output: 9 h 41 min
